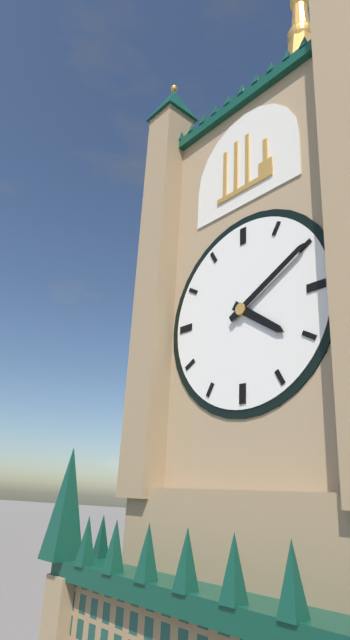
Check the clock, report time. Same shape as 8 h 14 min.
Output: 4 h 10 min
